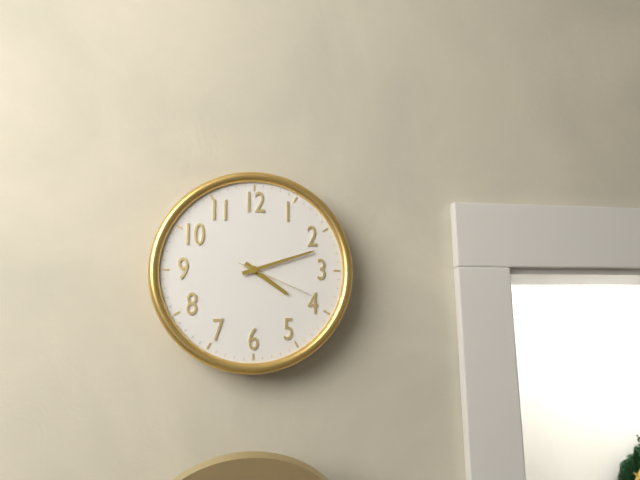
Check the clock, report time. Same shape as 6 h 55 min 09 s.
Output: 4 h 12 min 19 s
